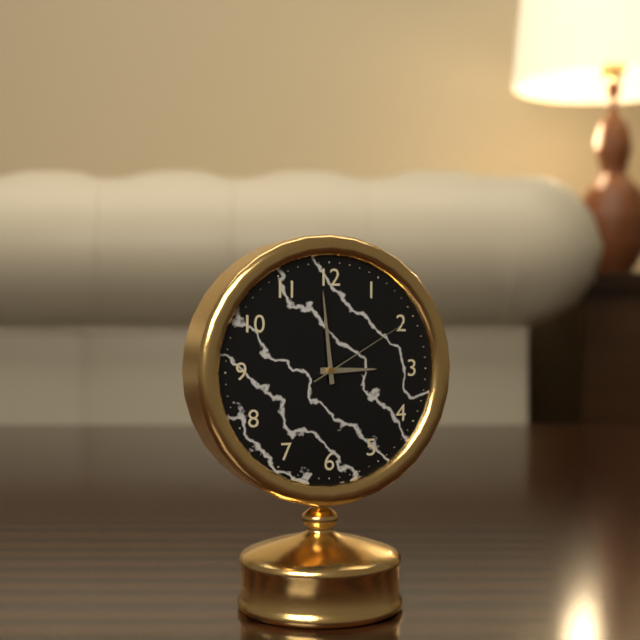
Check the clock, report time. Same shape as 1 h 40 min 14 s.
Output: 2 h 59 min 10 s
